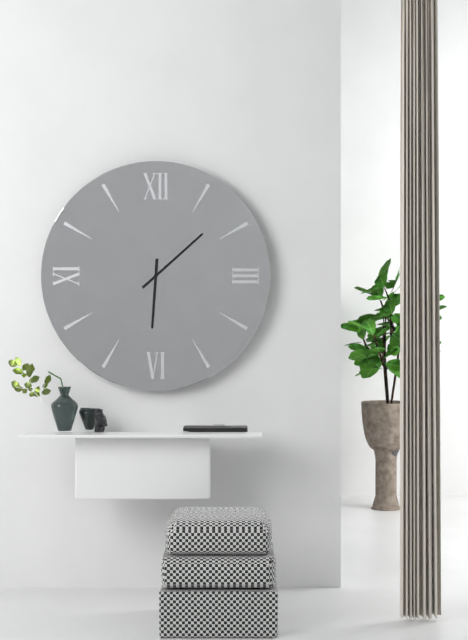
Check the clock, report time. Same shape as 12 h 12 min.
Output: 6 h 08 min
